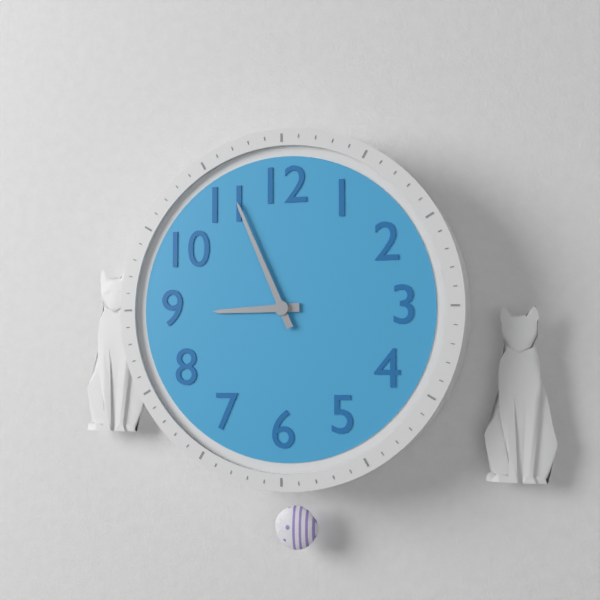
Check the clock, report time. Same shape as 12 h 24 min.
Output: 8 h 56 min
